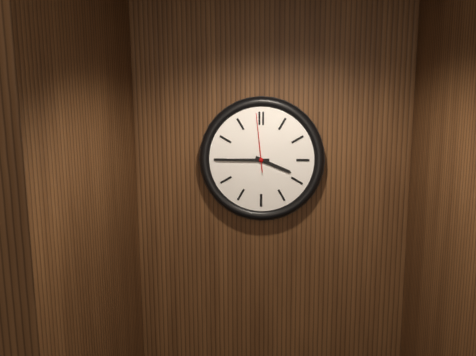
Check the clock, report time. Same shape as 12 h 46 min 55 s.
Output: 3 h 45 min 59 s
